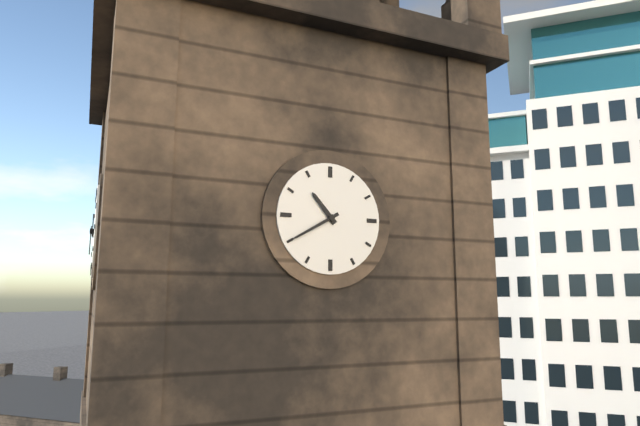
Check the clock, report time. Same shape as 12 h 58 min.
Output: 10 h 40 min
